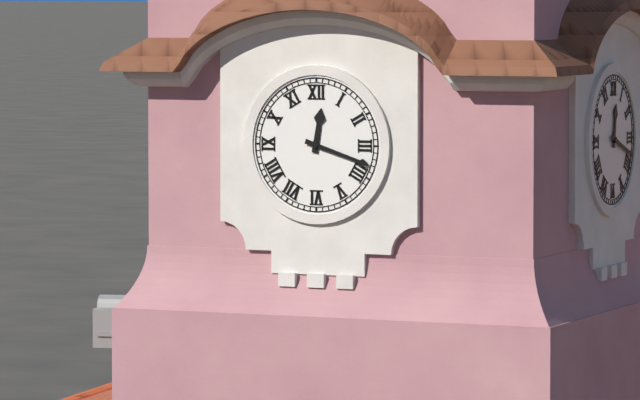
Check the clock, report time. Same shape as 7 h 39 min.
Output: 12 h 18 min
